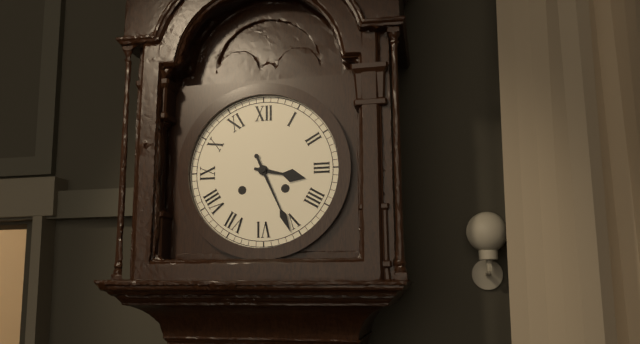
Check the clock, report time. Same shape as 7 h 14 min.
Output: 3 h 26 min
